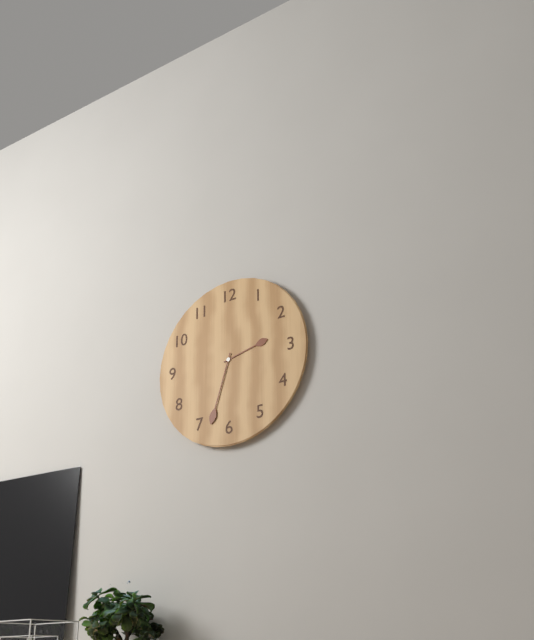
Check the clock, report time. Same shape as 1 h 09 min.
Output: 2 h 33 min
